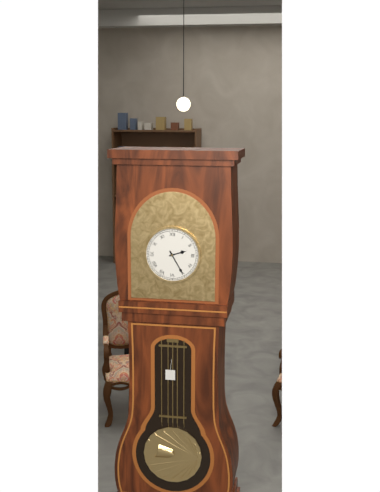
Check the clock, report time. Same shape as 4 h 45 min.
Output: 2 h 25 min
